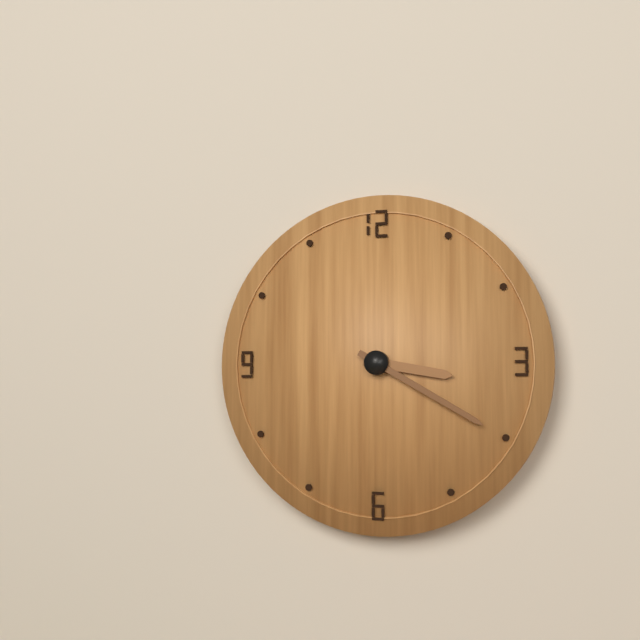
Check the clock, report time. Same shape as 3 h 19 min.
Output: 3 h 20 min
